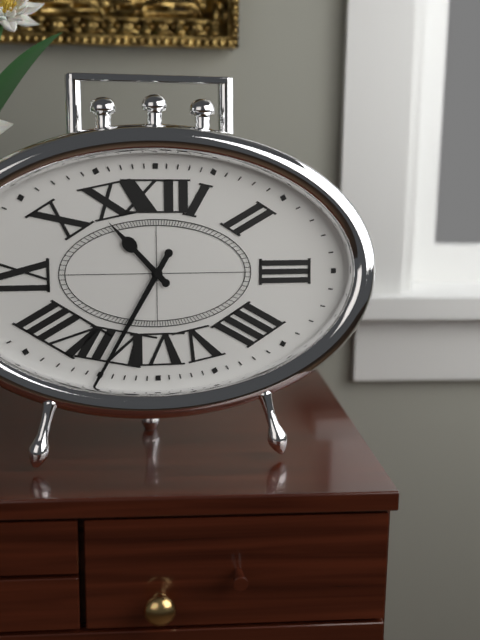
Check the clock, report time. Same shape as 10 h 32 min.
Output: 10 h 35 min
